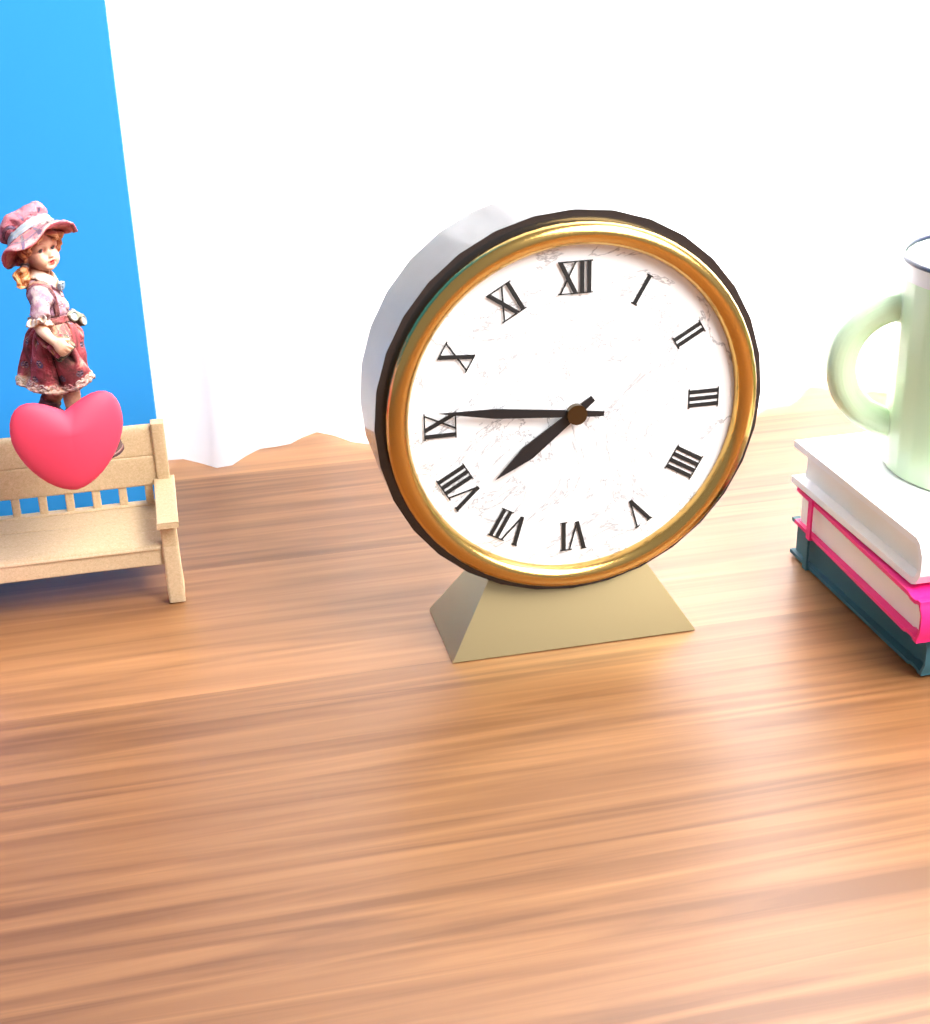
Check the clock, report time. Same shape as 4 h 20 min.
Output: 7 h 46 min
